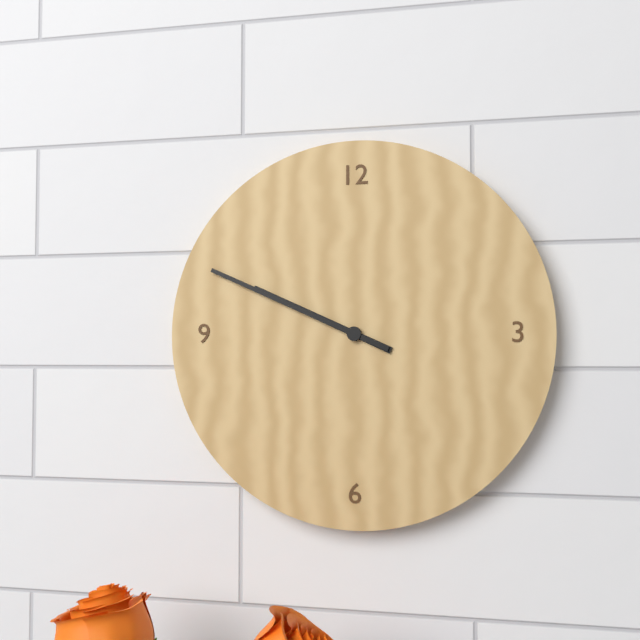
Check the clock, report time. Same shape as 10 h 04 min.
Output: 9 h 49 min
